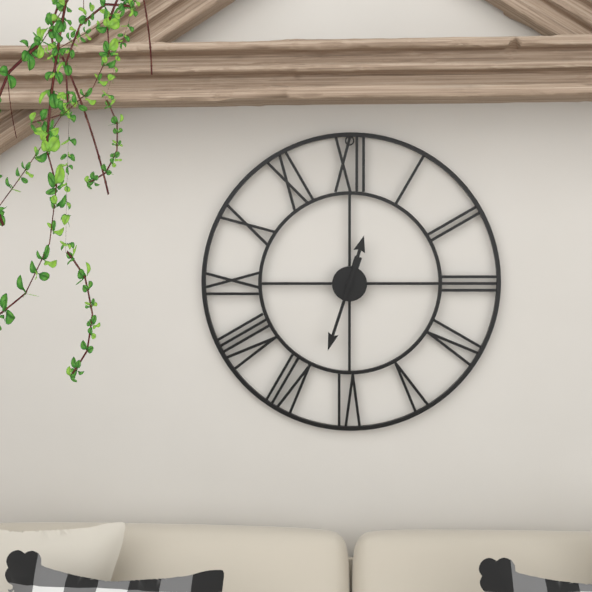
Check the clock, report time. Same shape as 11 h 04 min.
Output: 12 h 33 min
